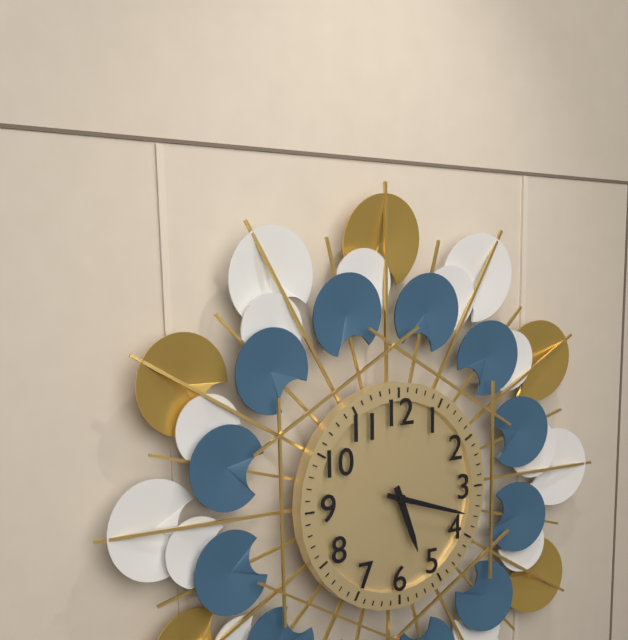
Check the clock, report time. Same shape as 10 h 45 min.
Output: 5 h 18 min
